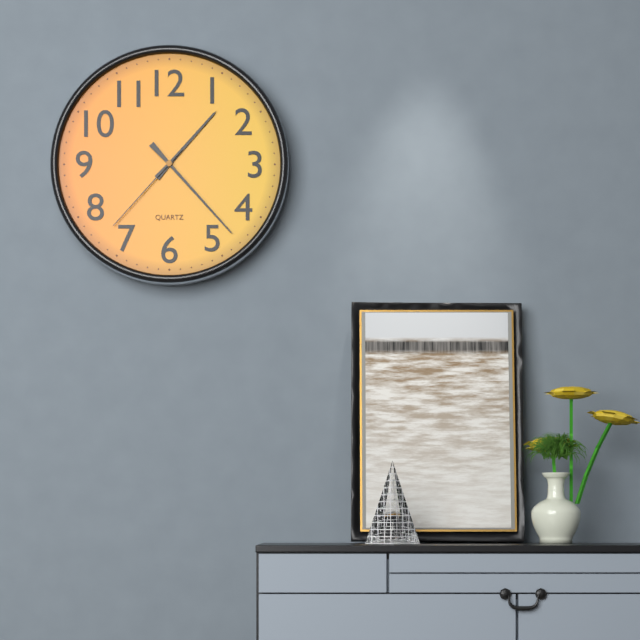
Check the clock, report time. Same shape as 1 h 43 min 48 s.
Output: 1 h 23 min 37 s
